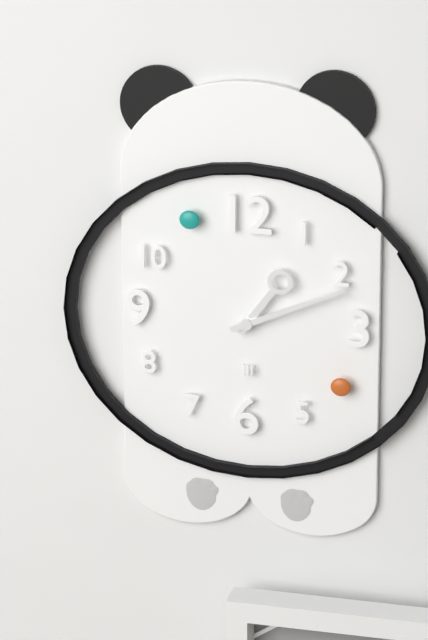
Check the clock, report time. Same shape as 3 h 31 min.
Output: 1 h 11 min
